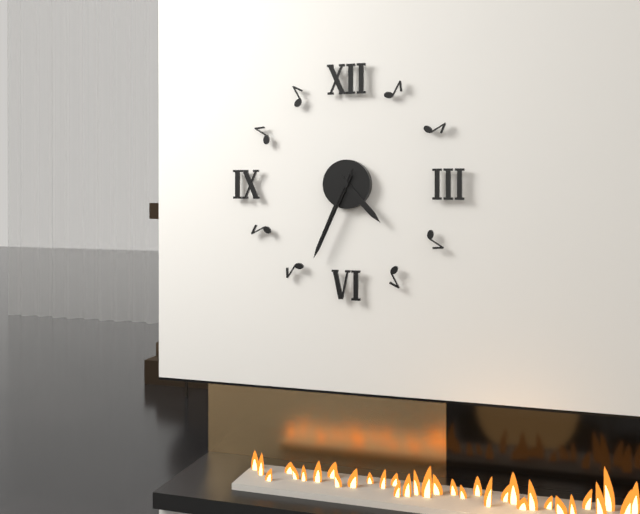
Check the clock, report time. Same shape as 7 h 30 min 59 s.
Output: 4 h 34 min 34 s
